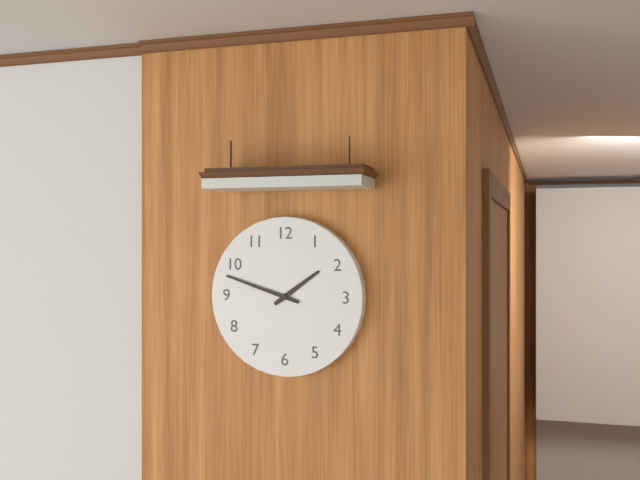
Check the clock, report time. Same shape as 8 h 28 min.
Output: 1 h 48 min
